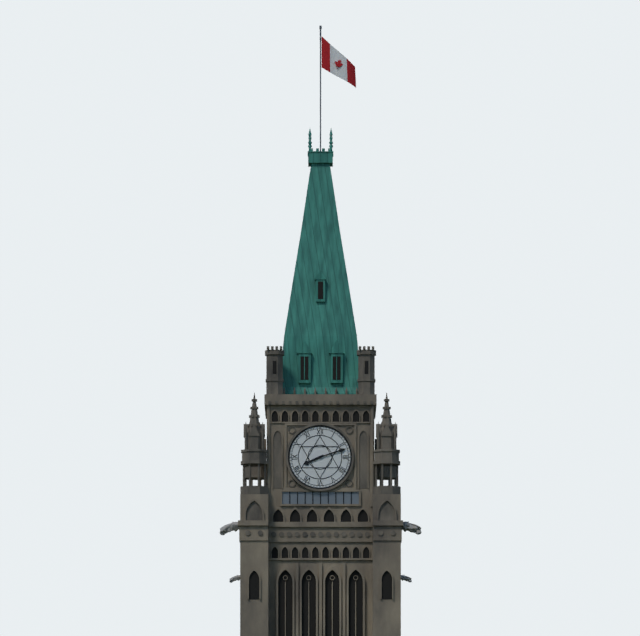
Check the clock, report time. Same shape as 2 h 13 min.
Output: 8 h 12 min
